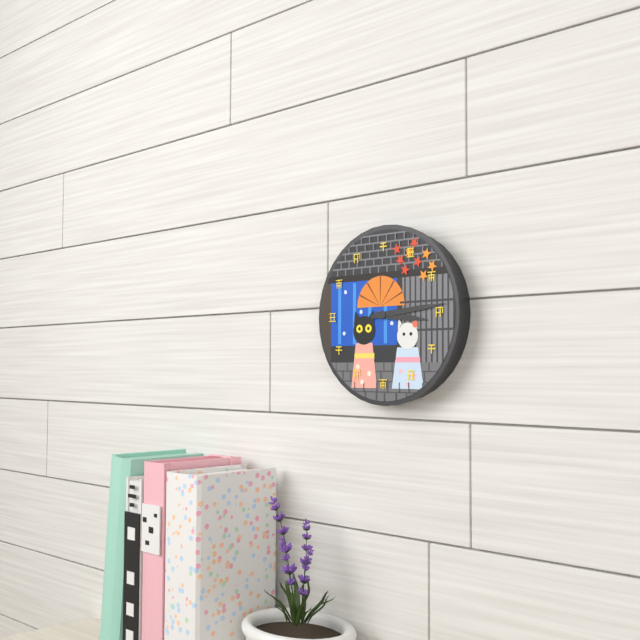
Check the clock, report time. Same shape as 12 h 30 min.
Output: 3 h 14 min
